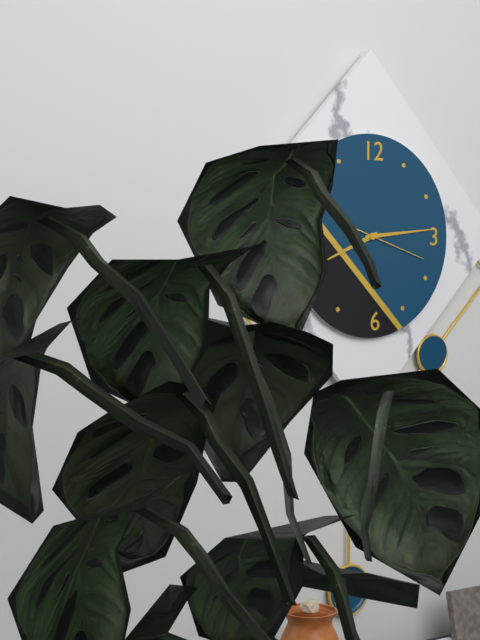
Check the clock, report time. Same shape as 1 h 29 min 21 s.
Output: 8 h 14 min 18 s
